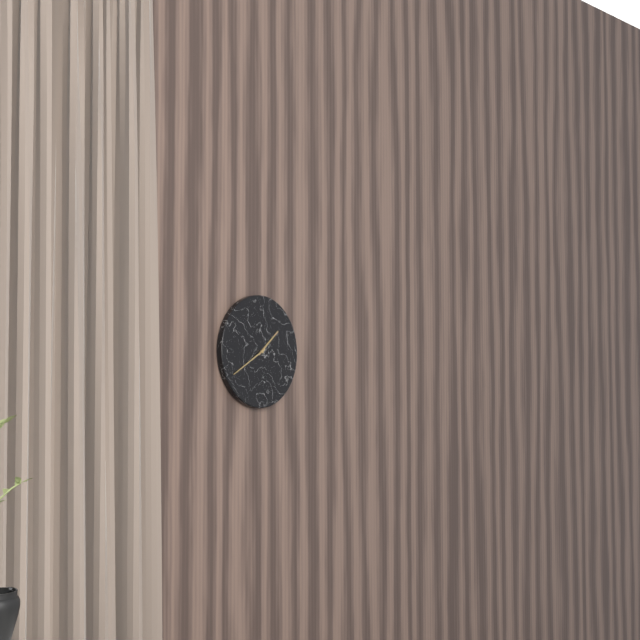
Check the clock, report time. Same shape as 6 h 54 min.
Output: 1 h 40 min
